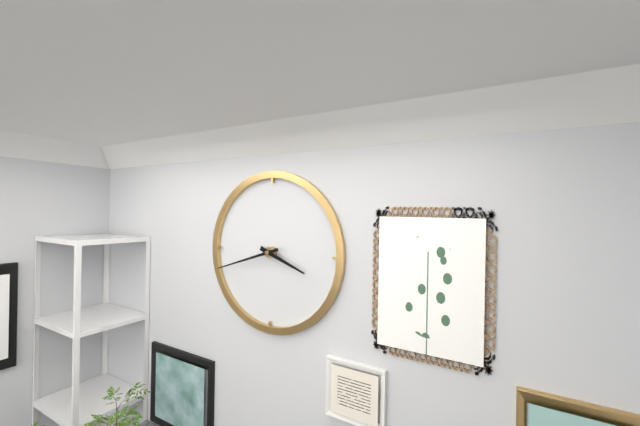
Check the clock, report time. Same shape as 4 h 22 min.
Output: 3 h 42 min
